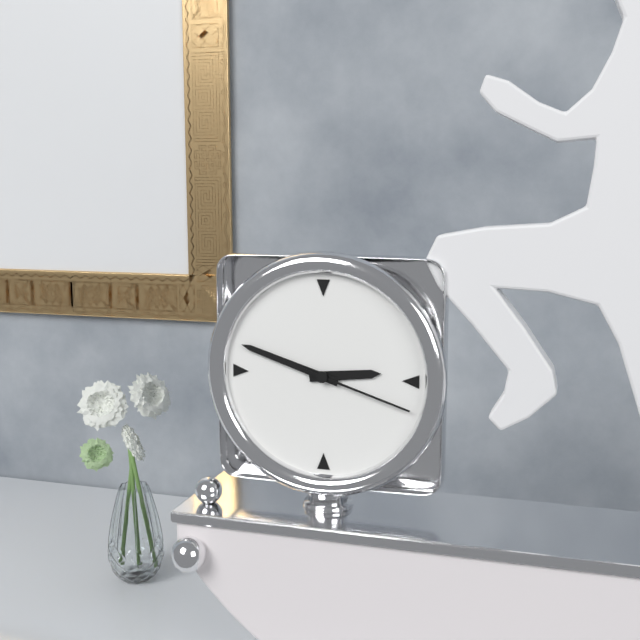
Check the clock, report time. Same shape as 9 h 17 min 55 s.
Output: 2 h 48 min 18 s
